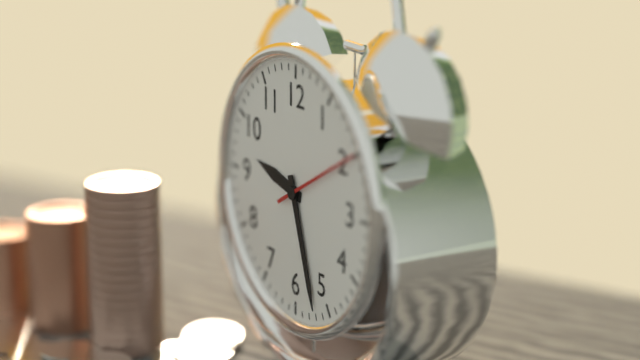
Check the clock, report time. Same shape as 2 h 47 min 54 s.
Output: 9 h 27 min 10 s
